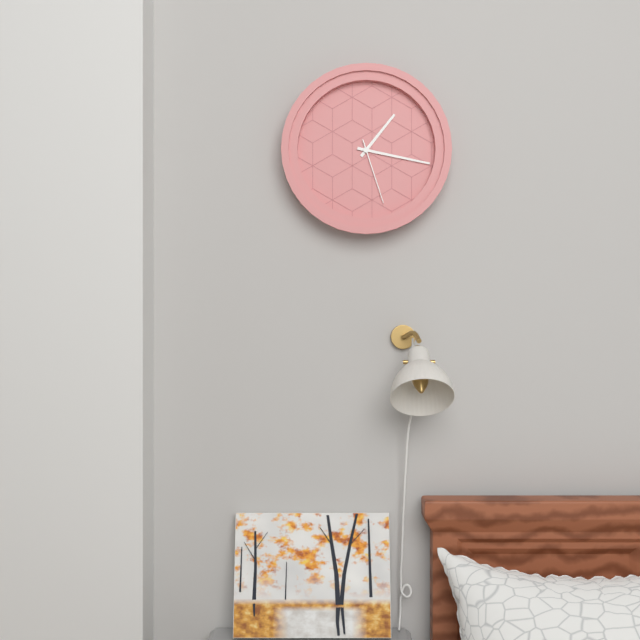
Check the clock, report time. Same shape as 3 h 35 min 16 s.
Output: 1 h 17 min 27 s
